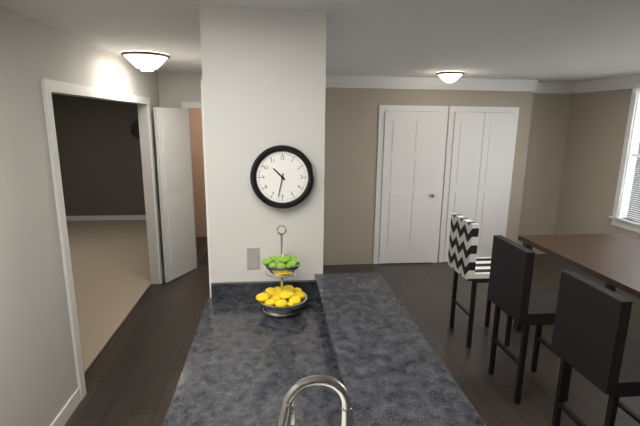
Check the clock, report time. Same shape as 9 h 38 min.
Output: 10 h 32 min
